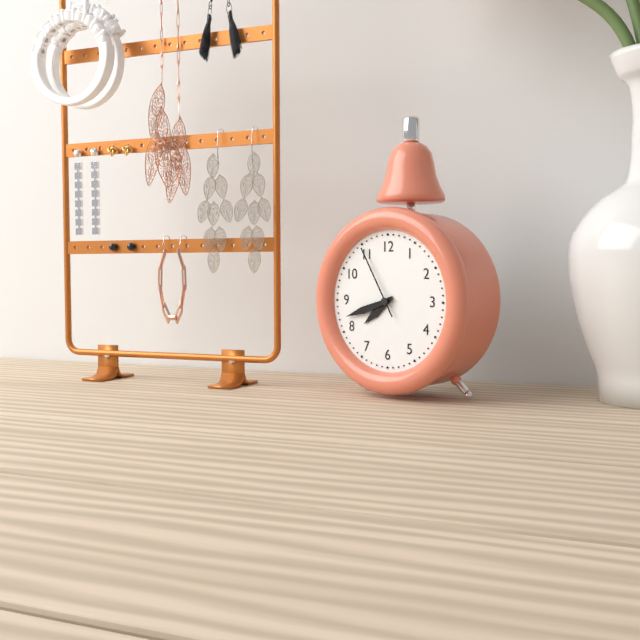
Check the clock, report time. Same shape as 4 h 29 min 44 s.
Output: 7 h 42 min 55 s
